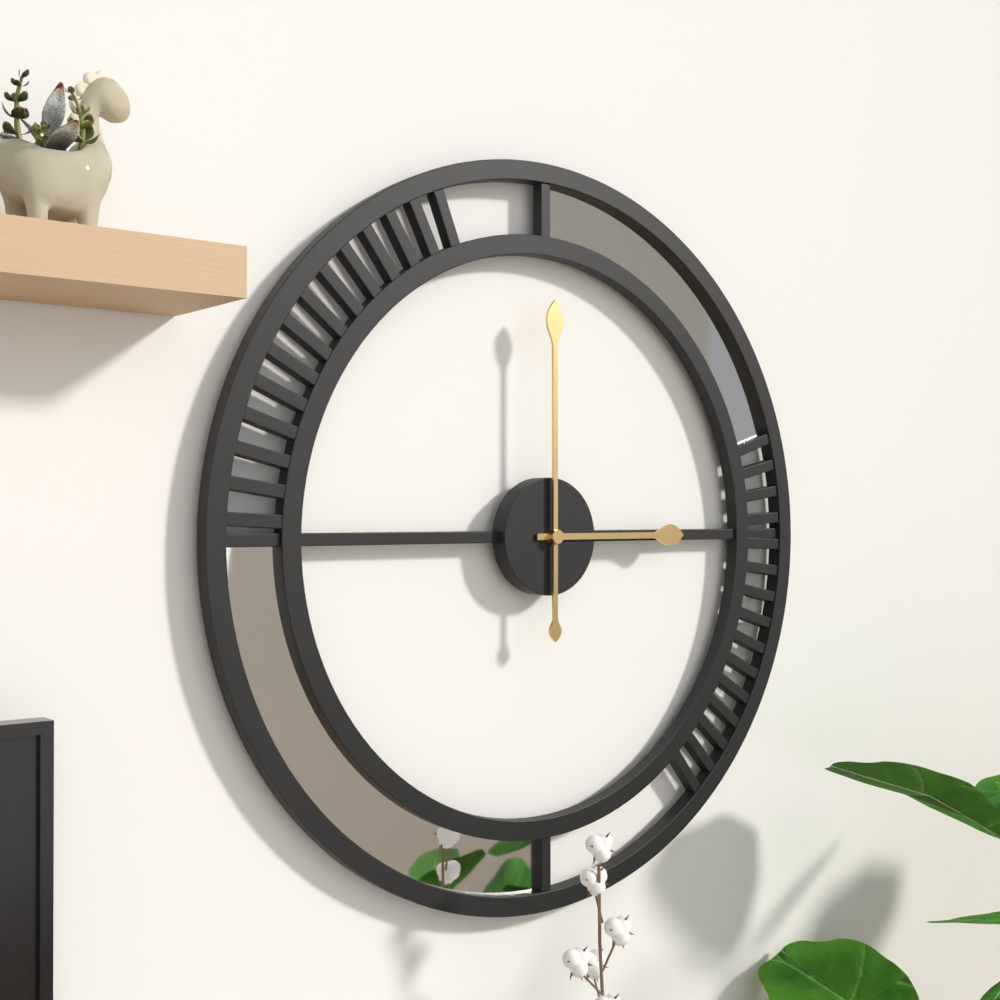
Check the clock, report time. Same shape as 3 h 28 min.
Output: 3 h 00 min
